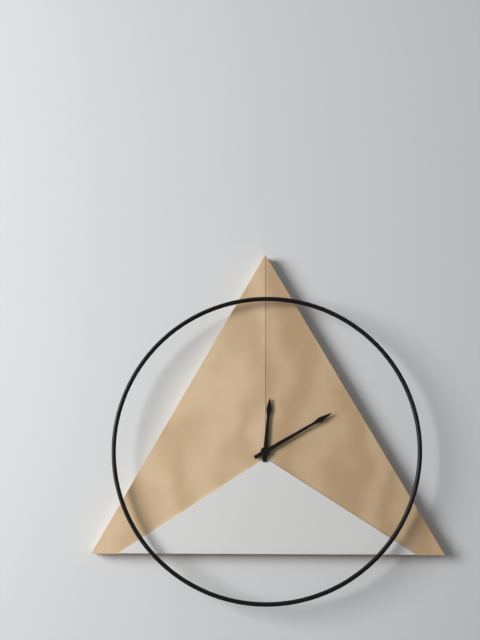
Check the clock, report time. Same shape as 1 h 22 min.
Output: 12 h 10 min
